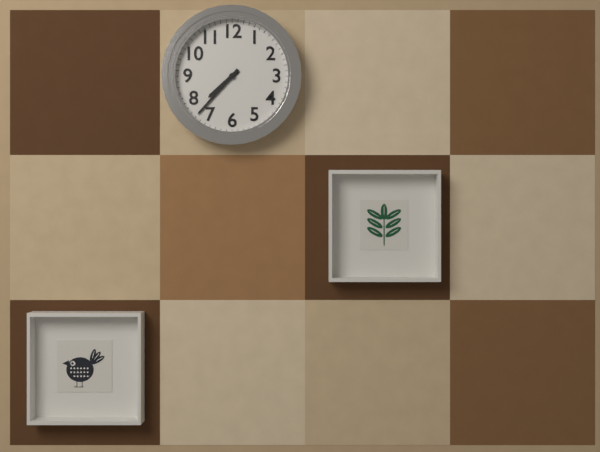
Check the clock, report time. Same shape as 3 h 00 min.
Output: 7 h 37 min
